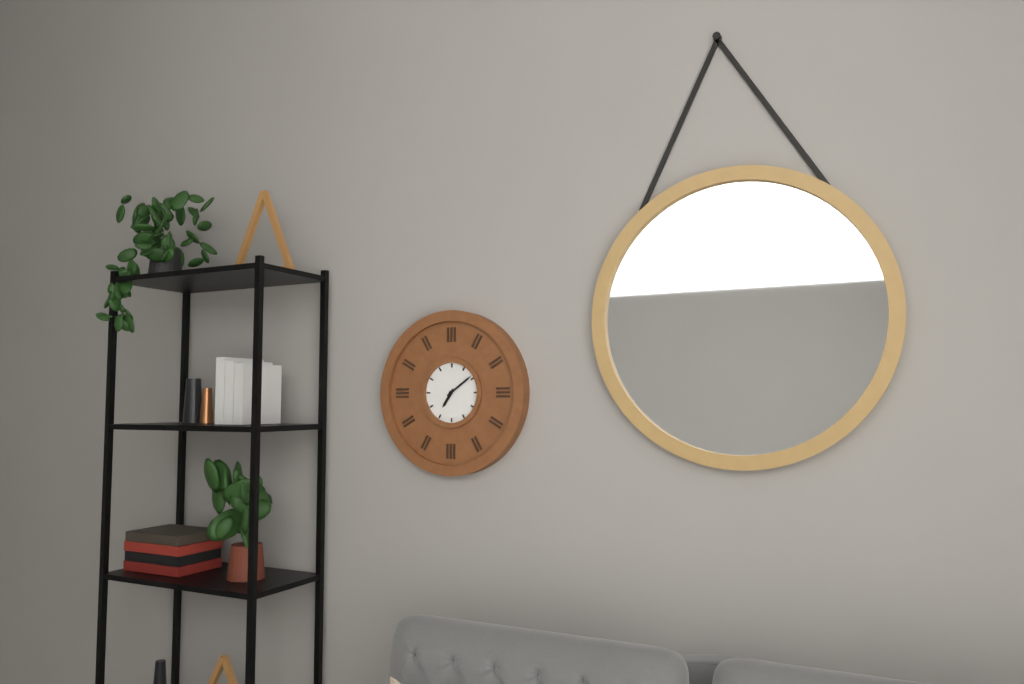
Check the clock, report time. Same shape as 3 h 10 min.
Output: 7 h 09 min
